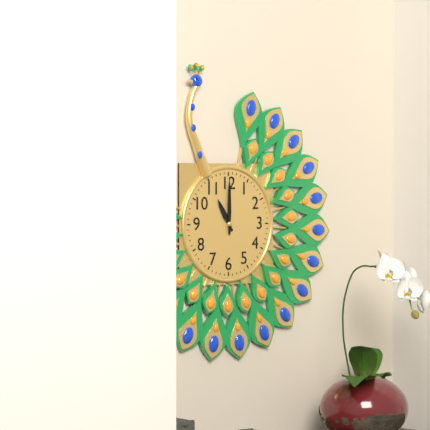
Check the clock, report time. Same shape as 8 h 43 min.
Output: 11 h 00 min
